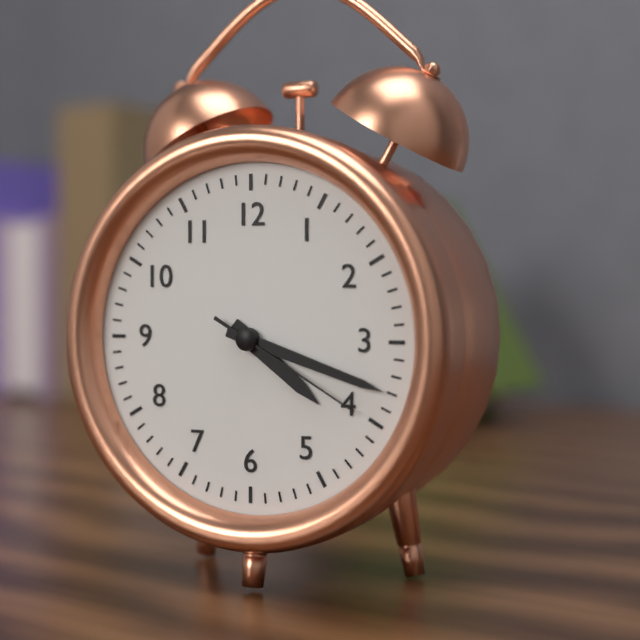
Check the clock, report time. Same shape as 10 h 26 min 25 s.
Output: 4 h 18 min 20 s
